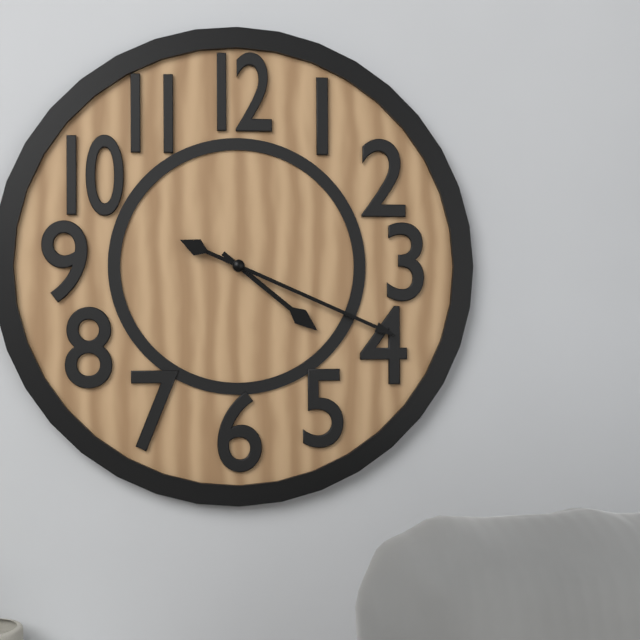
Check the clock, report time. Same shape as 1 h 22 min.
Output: 4 h 19 min
